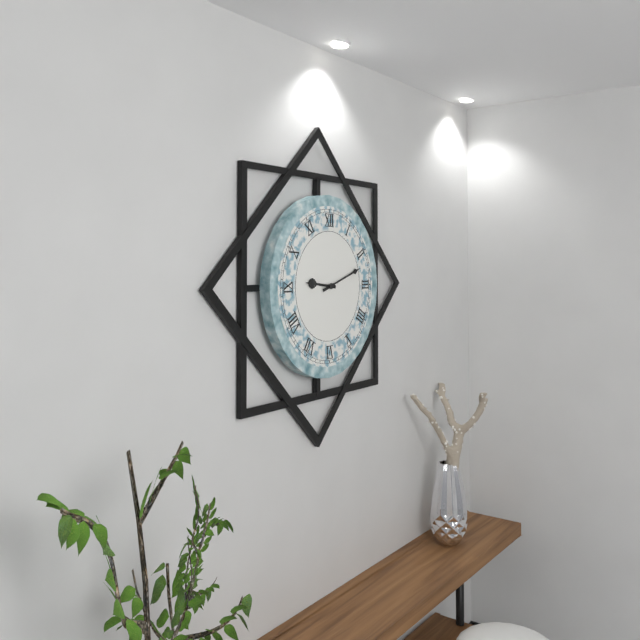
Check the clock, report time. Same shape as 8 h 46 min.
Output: 9 h 12 min
